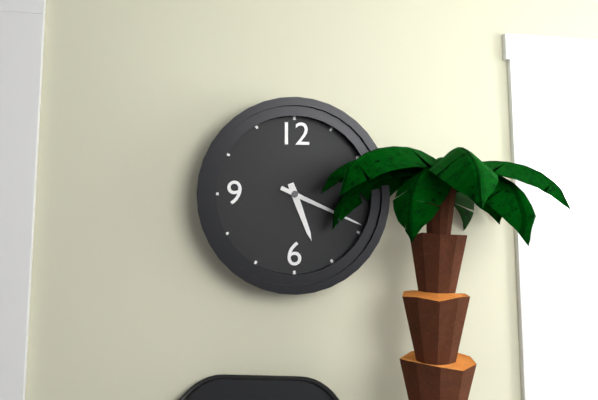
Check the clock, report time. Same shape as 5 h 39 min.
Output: 5 h 19 min
